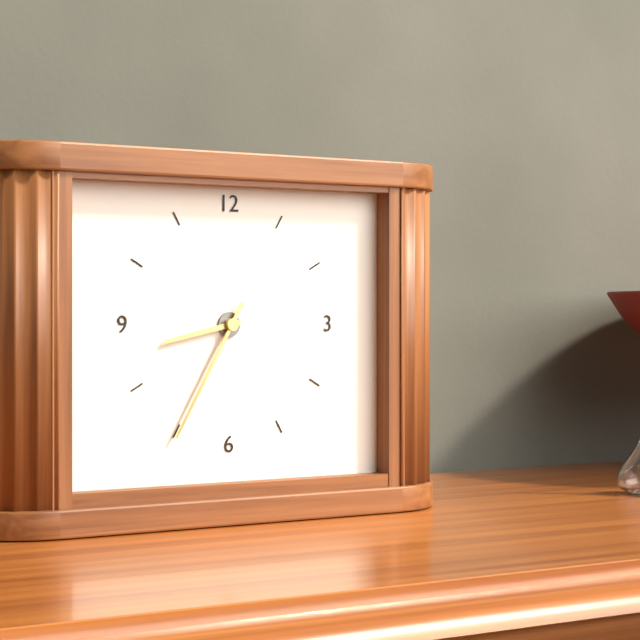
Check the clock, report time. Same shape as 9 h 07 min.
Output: 8 h 35 min
